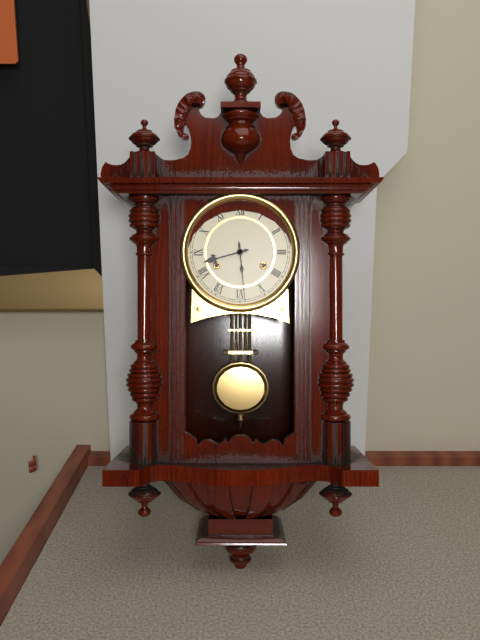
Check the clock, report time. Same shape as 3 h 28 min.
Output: 8 h 29 min
